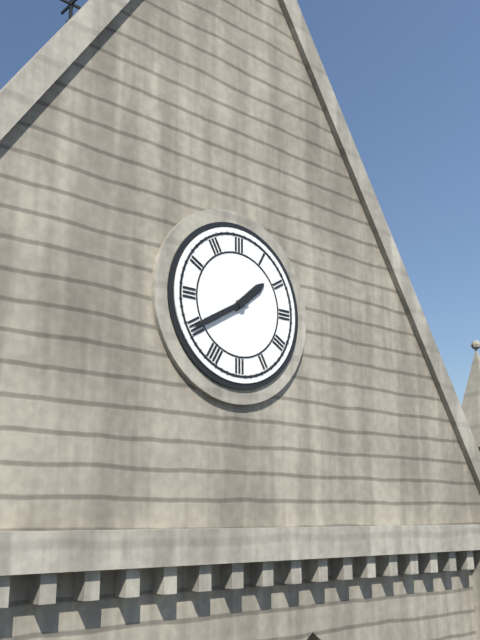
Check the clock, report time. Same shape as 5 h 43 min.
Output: 1 h 40 min
